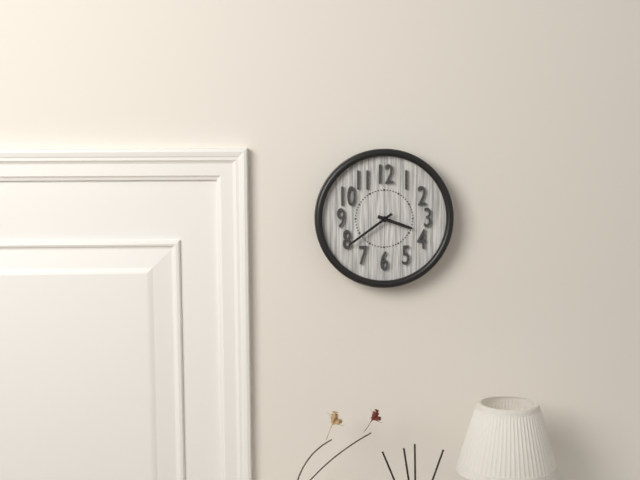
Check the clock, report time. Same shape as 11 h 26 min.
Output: 3 h 39 min
